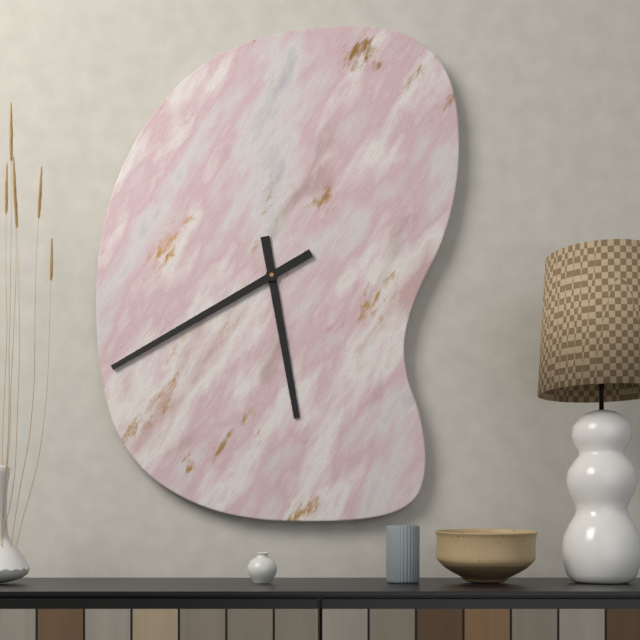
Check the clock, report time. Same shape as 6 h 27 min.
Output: 5 h 40 min
